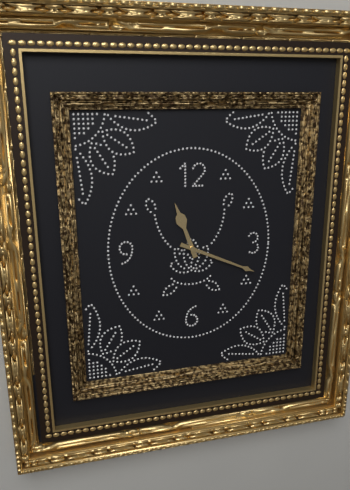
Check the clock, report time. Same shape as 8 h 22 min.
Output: 11 h 19 min
